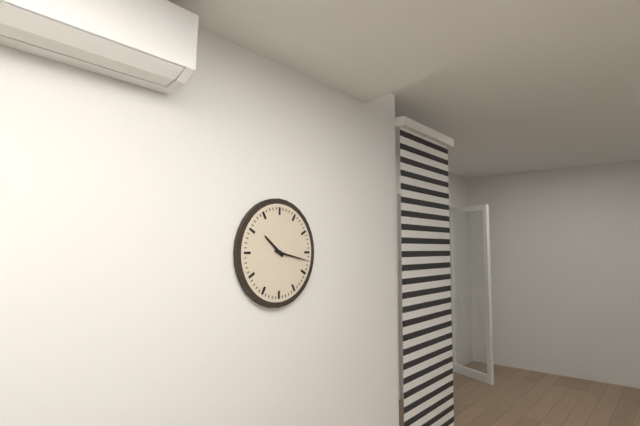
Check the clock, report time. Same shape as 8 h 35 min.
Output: 10 h 17 min
